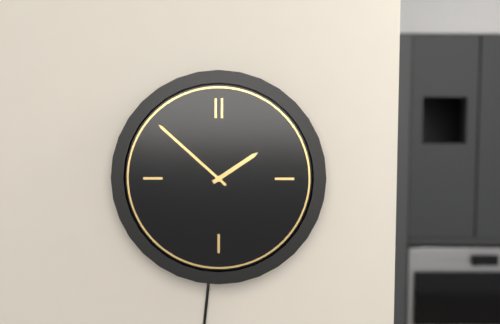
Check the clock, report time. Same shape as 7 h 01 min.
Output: 1 h 52 min
